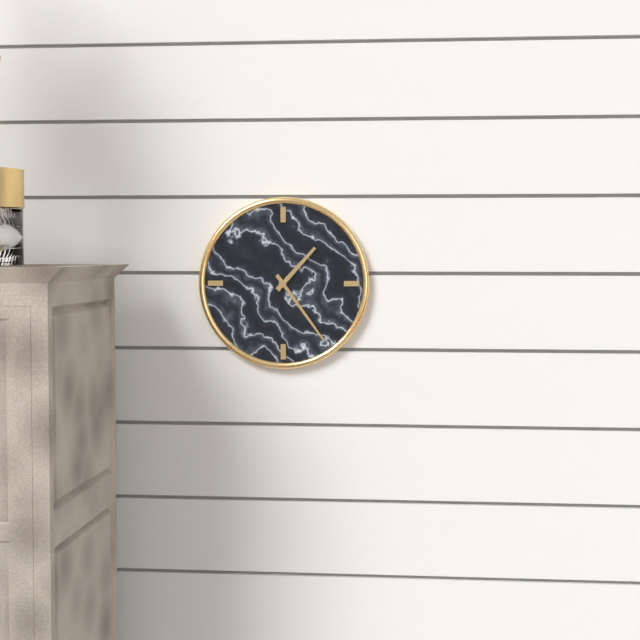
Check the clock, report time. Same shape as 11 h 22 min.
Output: 1 h 24 min
